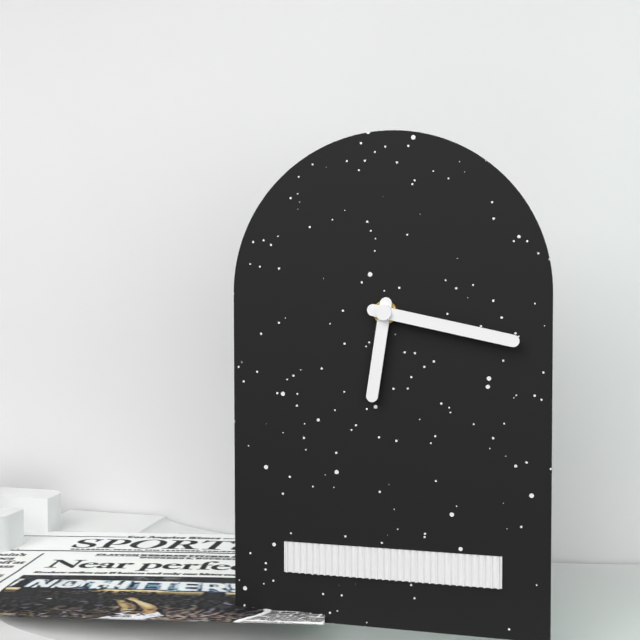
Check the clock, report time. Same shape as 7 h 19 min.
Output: 6 h 17 min
